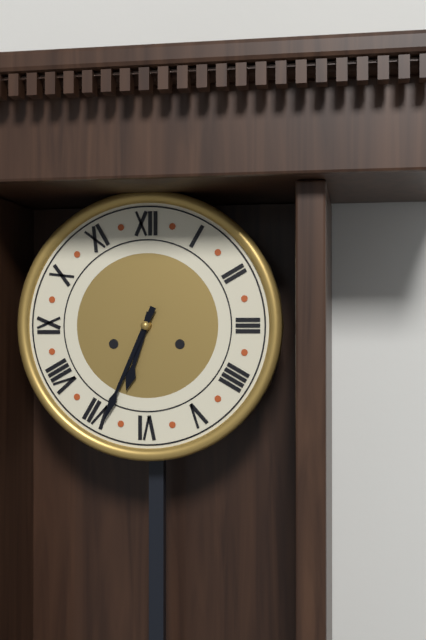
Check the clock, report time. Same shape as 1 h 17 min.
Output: 6 h 34 min
